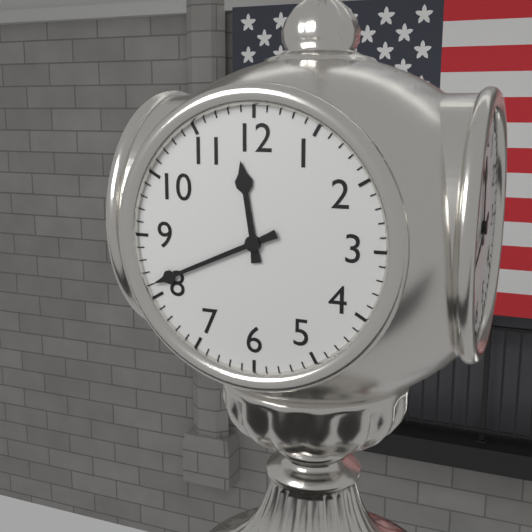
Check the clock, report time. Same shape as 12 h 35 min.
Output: 11 h 41 min
